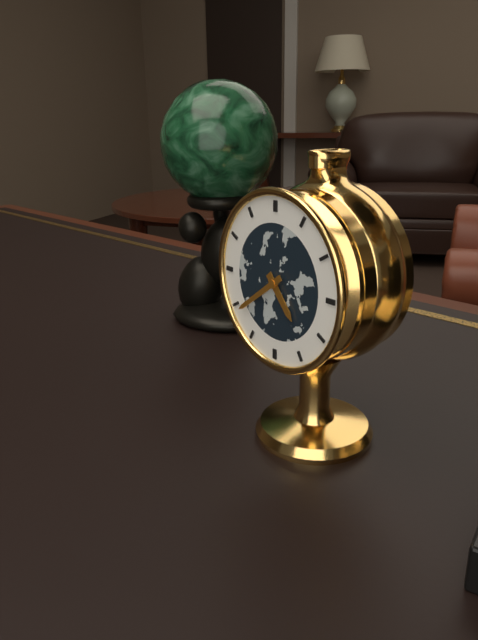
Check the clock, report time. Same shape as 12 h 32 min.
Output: 4 h 39 min
